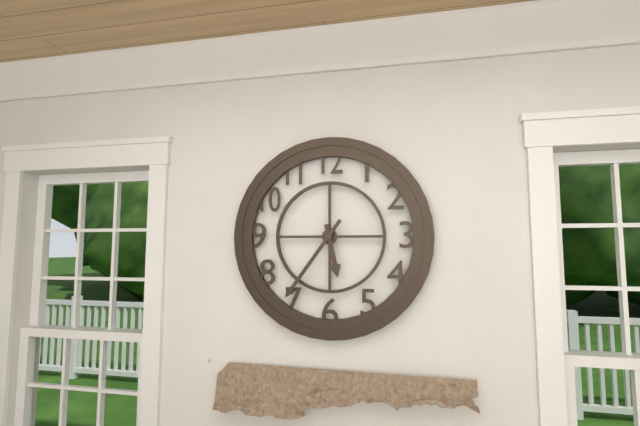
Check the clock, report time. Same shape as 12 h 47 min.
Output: 5 h 36 min
